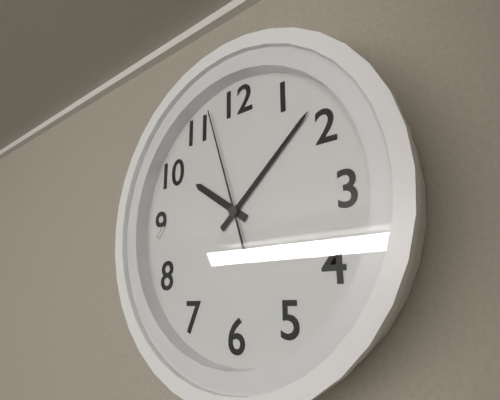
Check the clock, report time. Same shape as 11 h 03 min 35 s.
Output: 10 h 08 min 57 s
